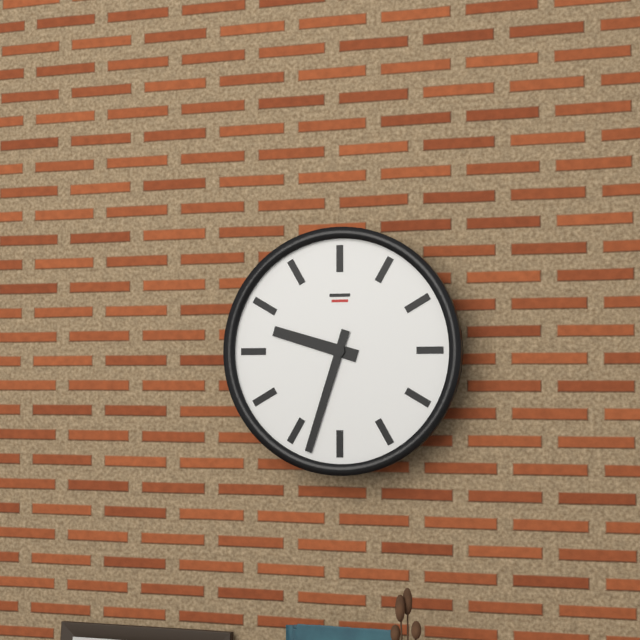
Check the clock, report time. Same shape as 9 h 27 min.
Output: 9 h 33 min
